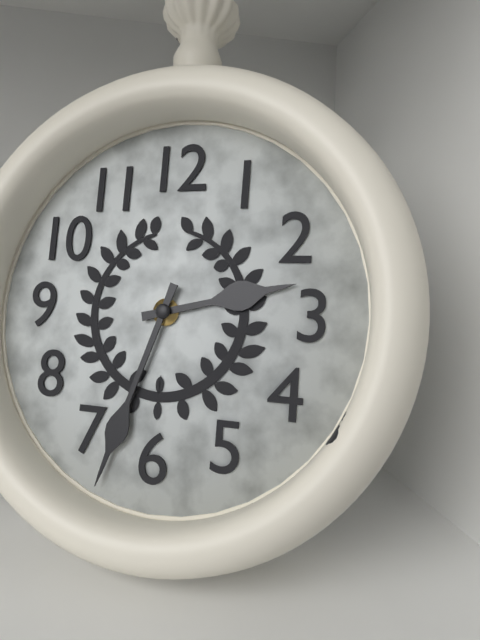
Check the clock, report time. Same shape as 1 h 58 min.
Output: 2 h 33 min
